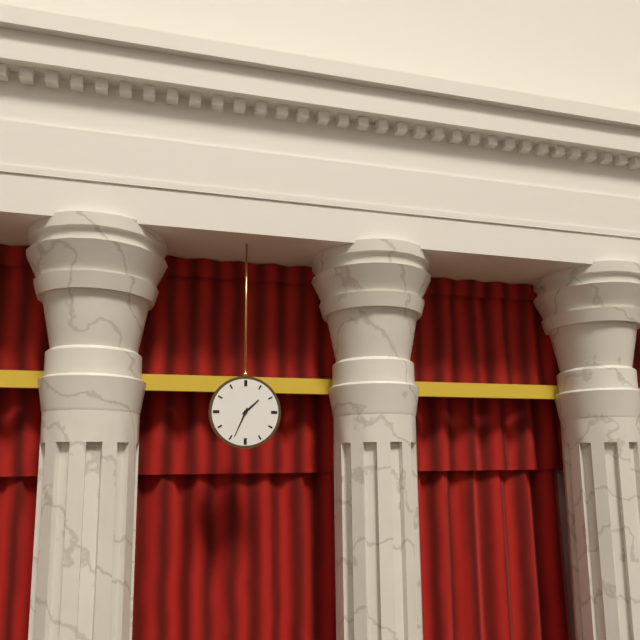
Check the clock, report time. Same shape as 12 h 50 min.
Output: 1 h 34 min
